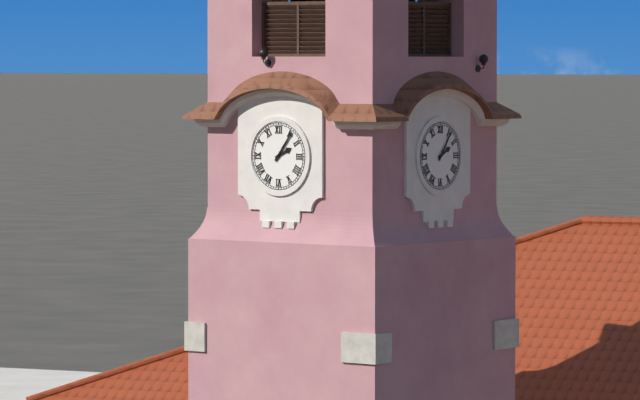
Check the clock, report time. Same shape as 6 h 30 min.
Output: 2 h 06 min
